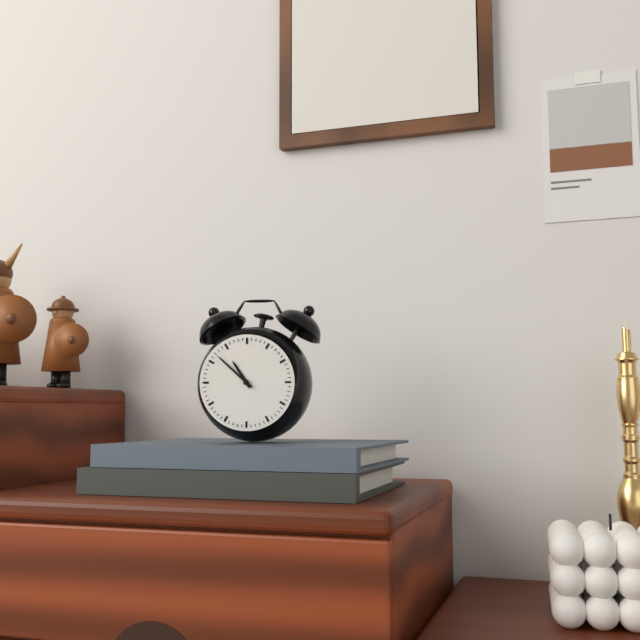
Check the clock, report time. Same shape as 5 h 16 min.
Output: 10 h 52 min
